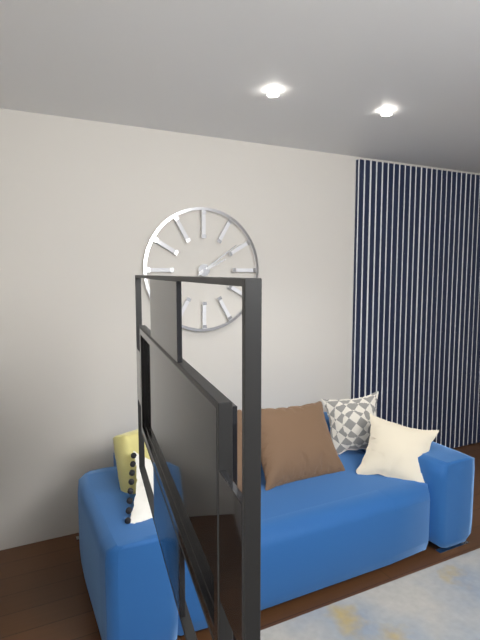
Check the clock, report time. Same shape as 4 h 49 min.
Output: 2 h 09 min
